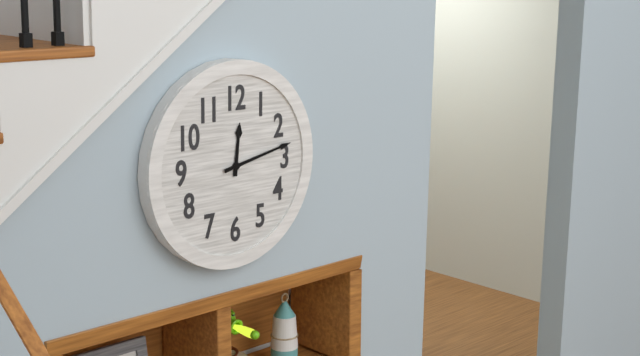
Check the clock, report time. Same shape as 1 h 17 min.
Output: 12 h 13 min
